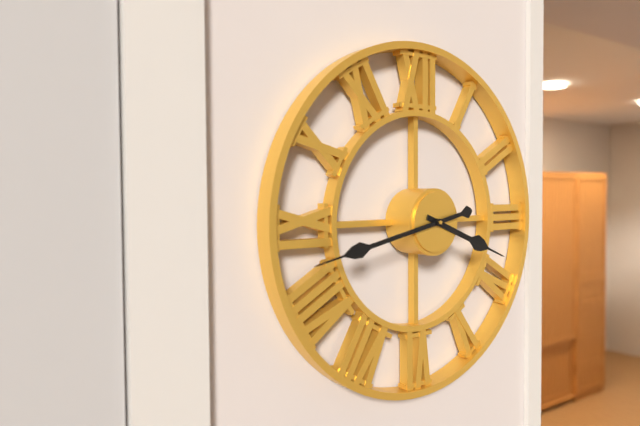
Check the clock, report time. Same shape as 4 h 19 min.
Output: 3 h 43 min
